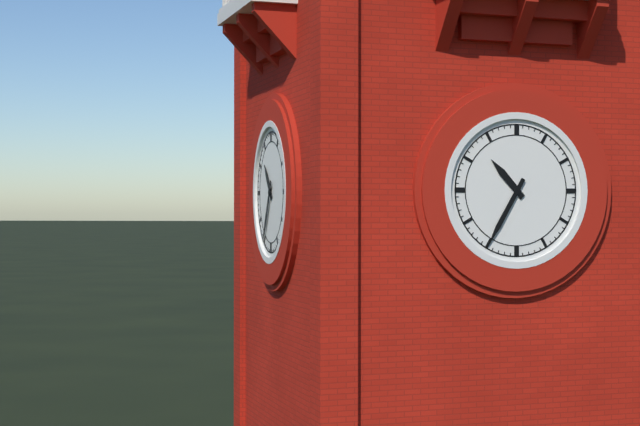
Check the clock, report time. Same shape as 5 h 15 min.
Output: 10 h 35 min
